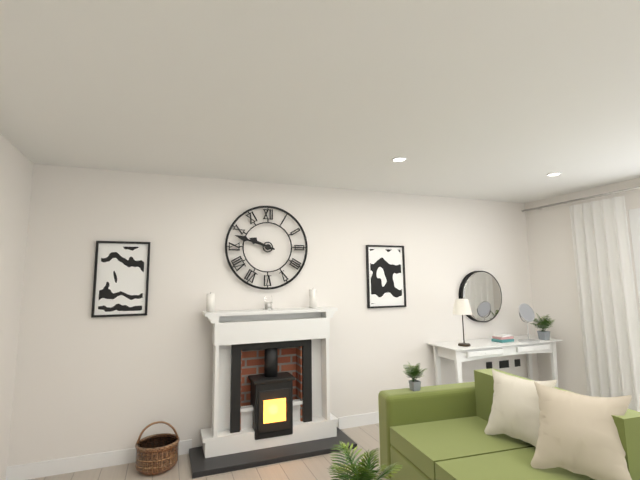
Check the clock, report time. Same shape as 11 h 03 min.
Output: 9 h 48 min
